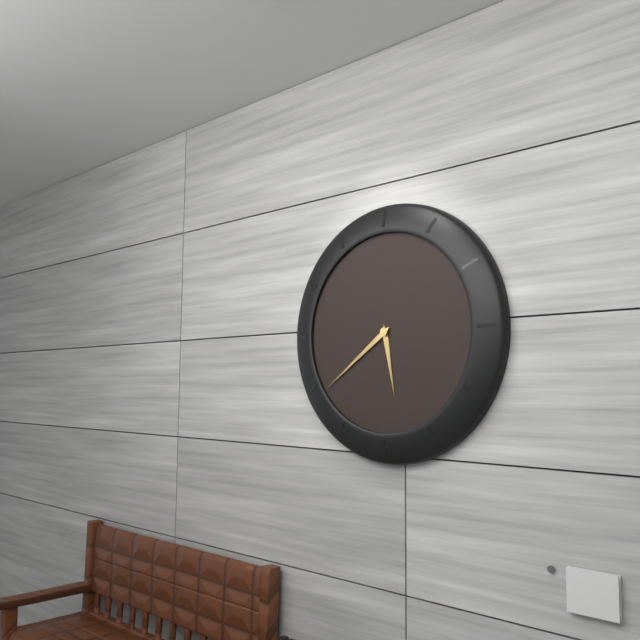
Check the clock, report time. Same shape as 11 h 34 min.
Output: 5 h 39 min
